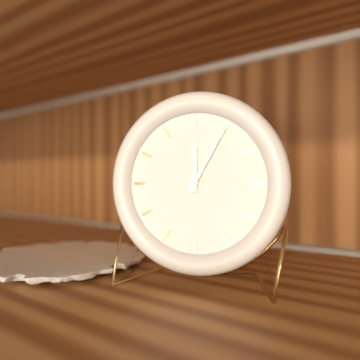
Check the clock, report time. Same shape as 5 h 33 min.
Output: 12 h 05 min
